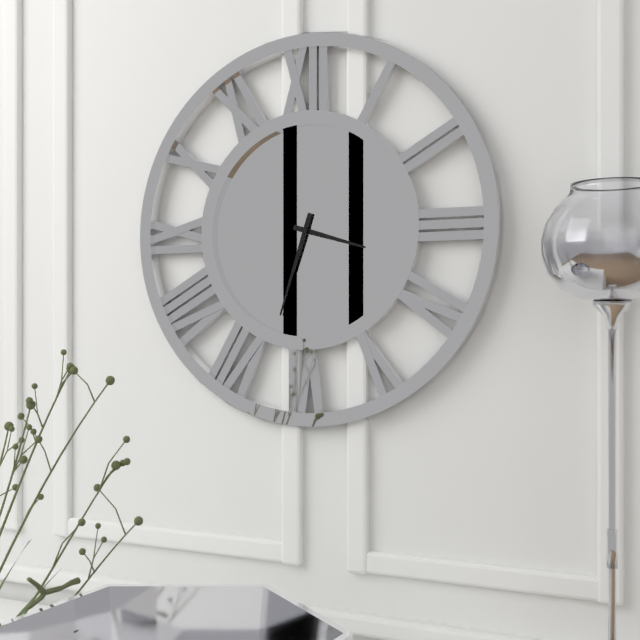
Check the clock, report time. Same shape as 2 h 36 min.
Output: 3 h 33 min
